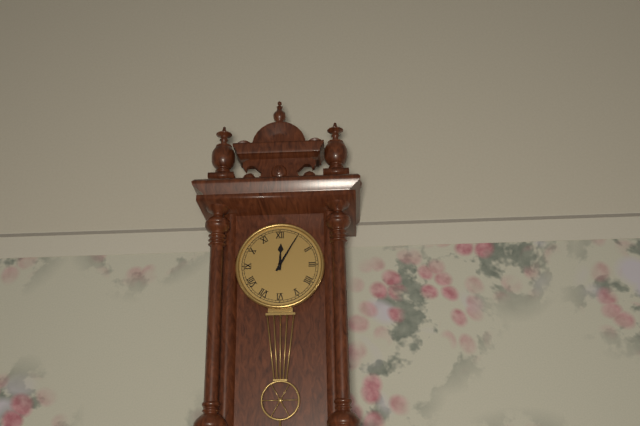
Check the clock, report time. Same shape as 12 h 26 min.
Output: 12 h 05 min
